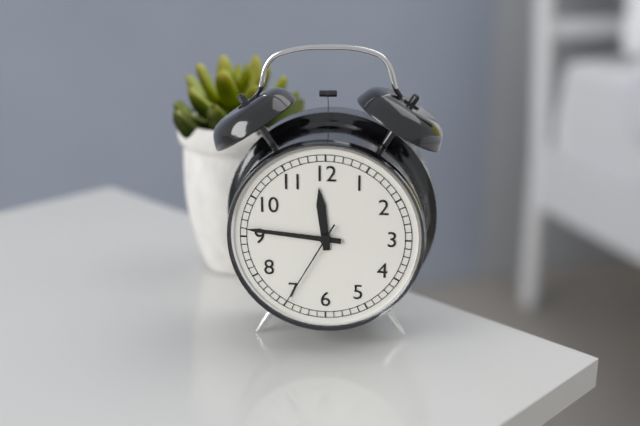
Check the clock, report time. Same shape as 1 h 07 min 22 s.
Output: 11 h 46 min 35 s
